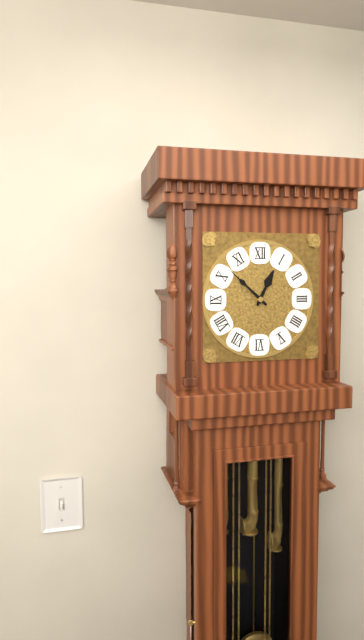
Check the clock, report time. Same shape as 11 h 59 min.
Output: 12 h 52 min
